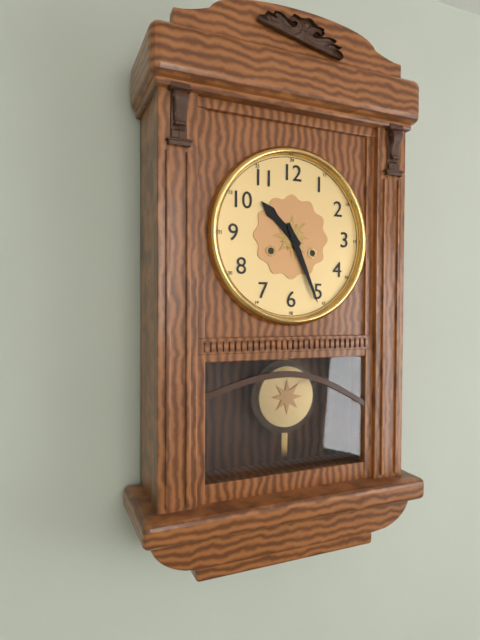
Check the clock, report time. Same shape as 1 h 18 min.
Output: 10 h 26 min
